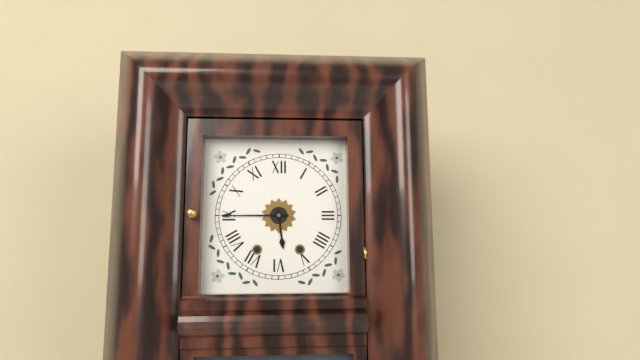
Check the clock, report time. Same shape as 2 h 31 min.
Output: 5 h 45 min
